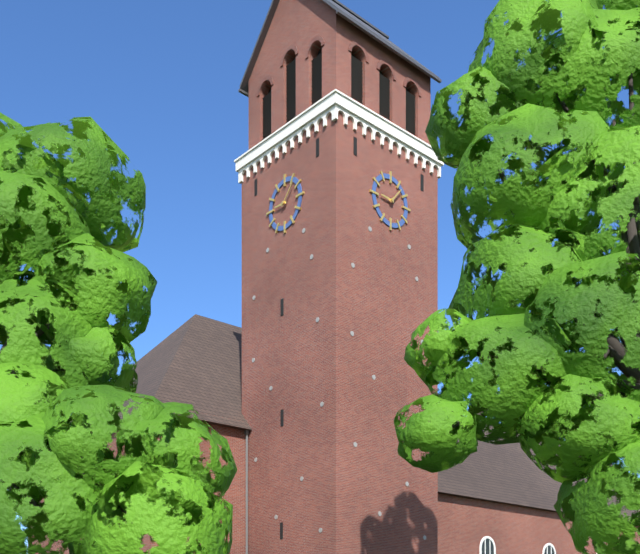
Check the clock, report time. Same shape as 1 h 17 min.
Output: 9 h 07 min
